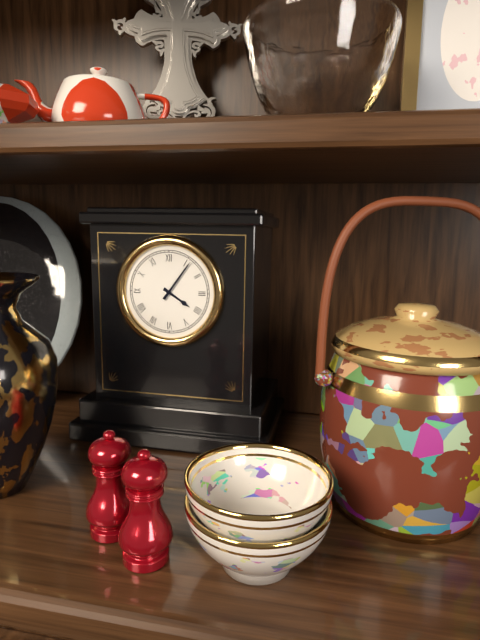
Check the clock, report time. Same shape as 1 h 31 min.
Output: 4 h 06 min
